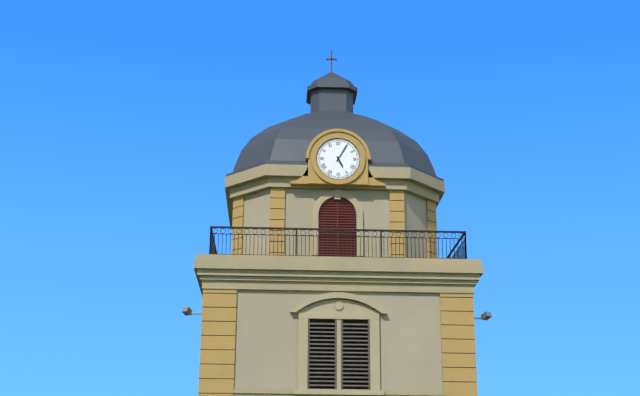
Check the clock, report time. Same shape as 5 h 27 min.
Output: 5 h 05 min
